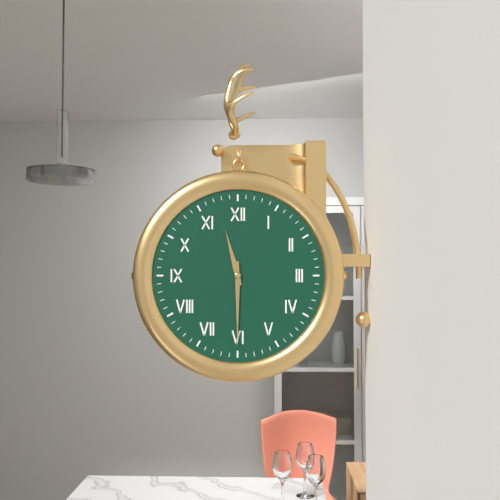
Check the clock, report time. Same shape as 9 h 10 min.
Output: 11 h 30 min
